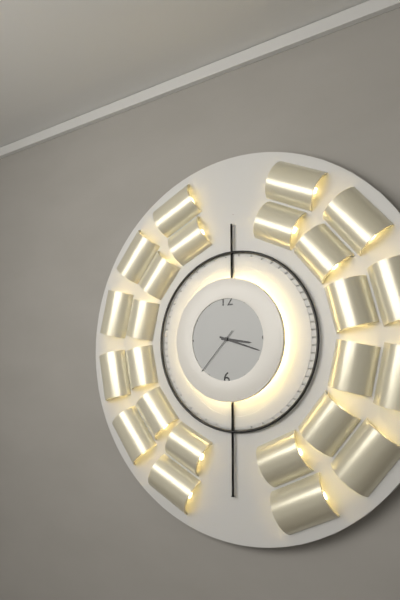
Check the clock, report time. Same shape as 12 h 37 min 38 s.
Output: 3 h 18 min 37 s
